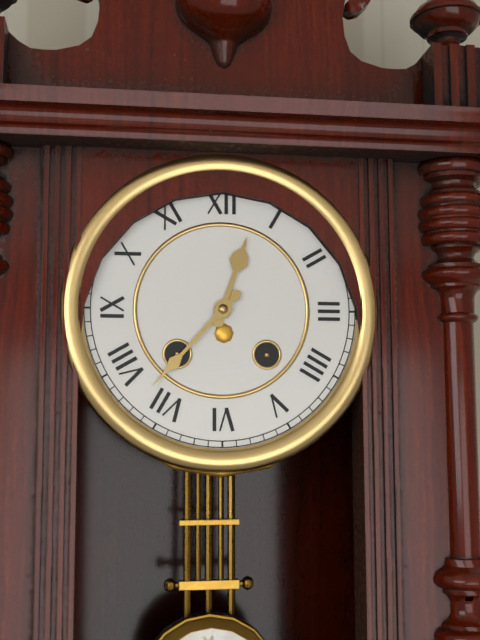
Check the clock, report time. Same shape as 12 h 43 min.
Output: 12 h 37 min
